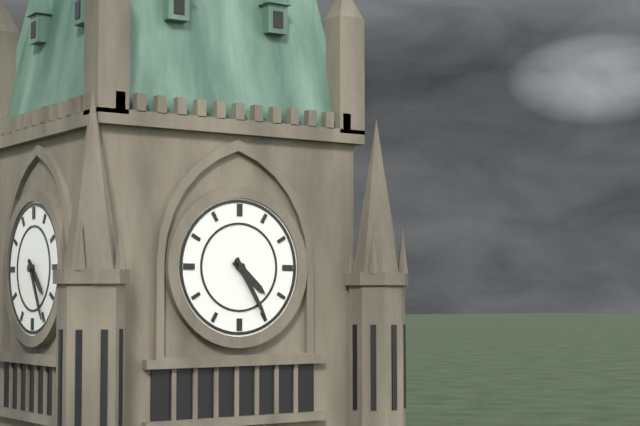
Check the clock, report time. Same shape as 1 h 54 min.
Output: 4 h 25 min
